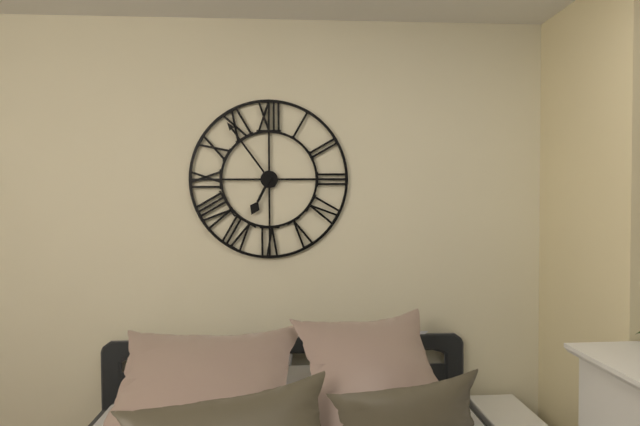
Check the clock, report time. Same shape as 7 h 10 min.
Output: 6 h 54 min
